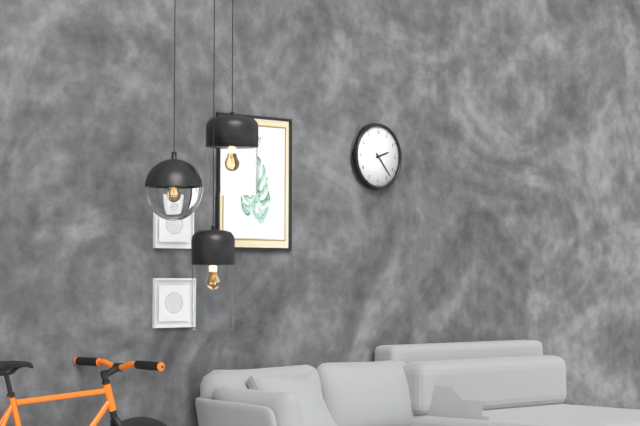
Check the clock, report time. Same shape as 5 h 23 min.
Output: 2 h 23 min
